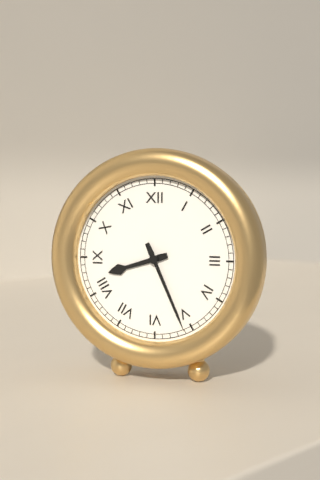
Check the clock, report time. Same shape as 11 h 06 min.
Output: 8 h 26 min
